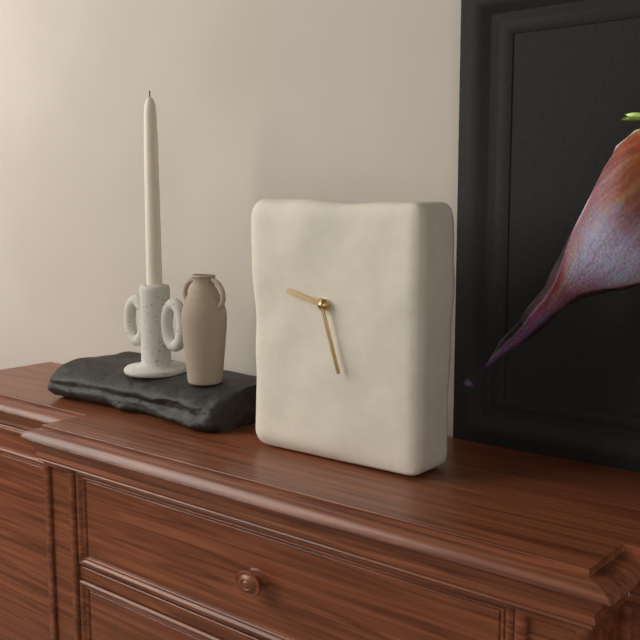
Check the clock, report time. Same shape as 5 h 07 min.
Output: 9 h 27 min
